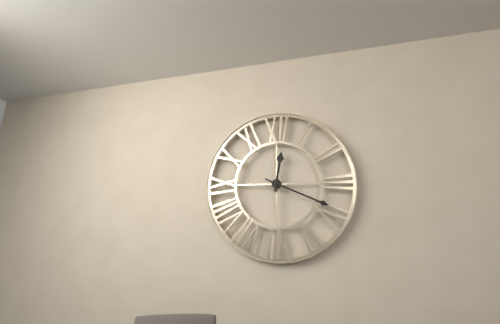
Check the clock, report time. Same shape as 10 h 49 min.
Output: 12 h 19 min
